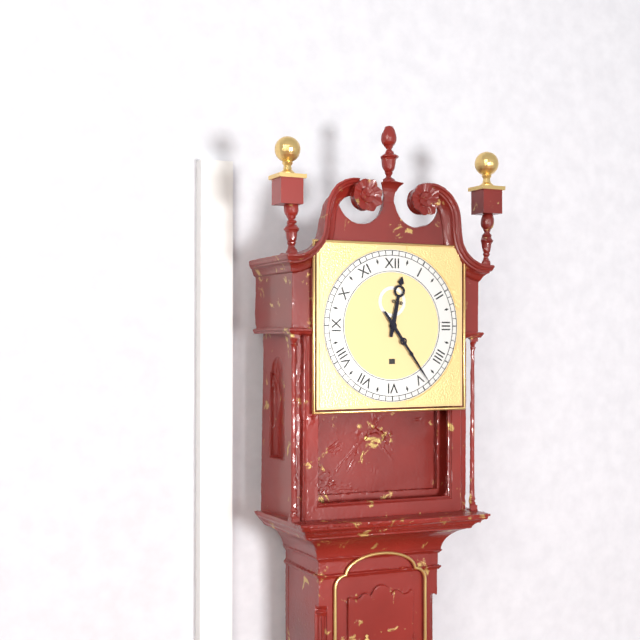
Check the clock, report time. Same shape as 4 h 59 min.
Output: 12 h 24 min
